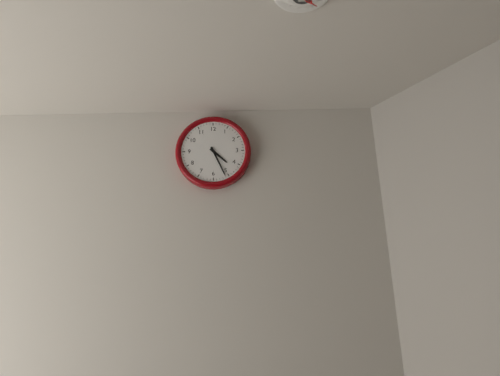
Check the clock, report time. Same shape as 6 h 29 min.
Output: 4 h 26 min
